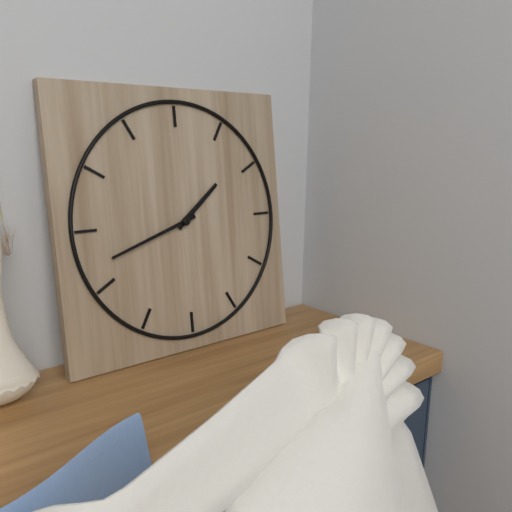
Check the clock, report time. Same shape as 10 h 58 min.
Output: 1 h 42 min
